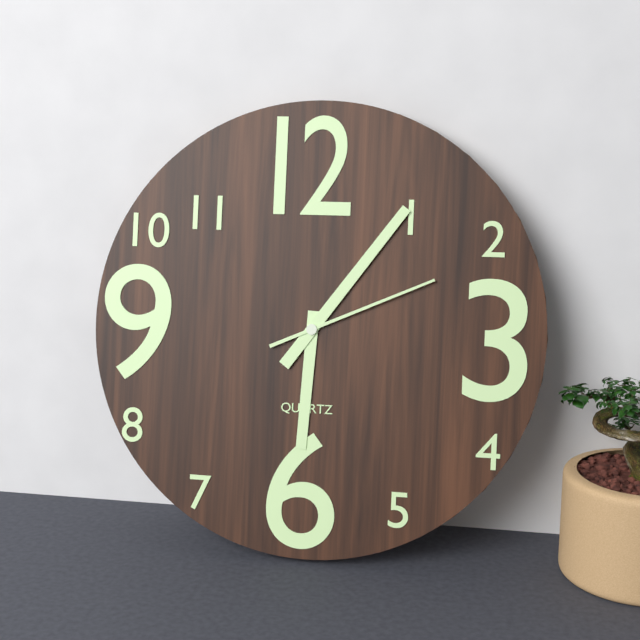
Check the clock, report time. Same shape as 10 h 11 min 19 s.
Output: 6 h 06 min 11 s
